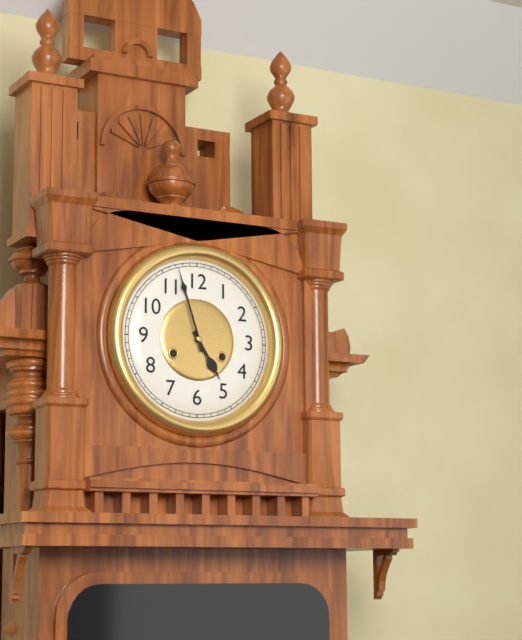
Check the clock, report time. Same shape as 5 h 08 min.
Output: 4 h 57 min
